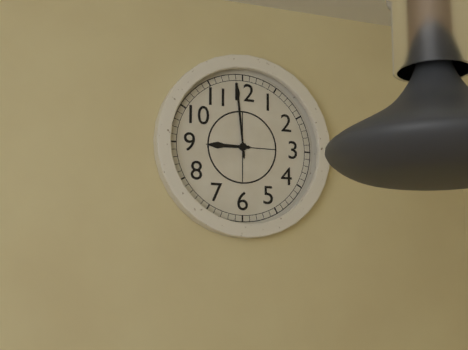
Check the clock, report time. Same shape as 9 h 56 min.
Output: 8 h 59 min
